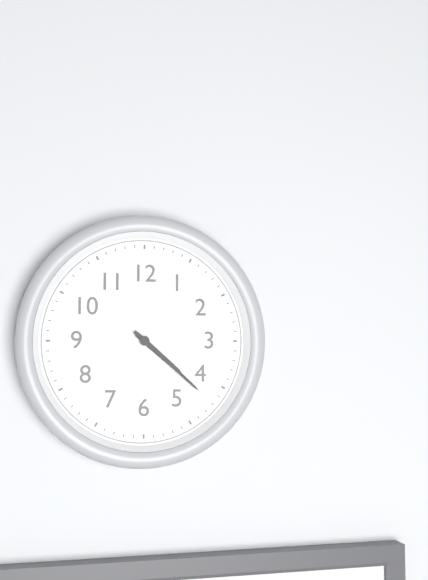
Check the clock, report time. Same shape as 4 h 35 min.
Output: 4 h 22 min
